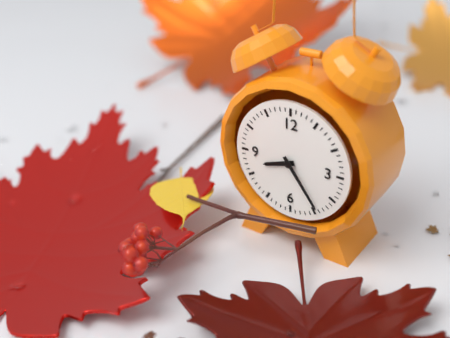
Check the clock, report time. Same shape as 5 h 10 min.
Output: 8 h 24 min
